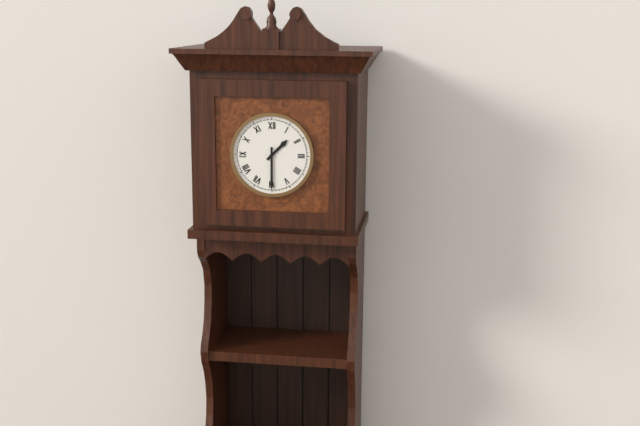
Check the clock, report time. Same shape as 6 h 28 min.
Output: 1 h 30 min
